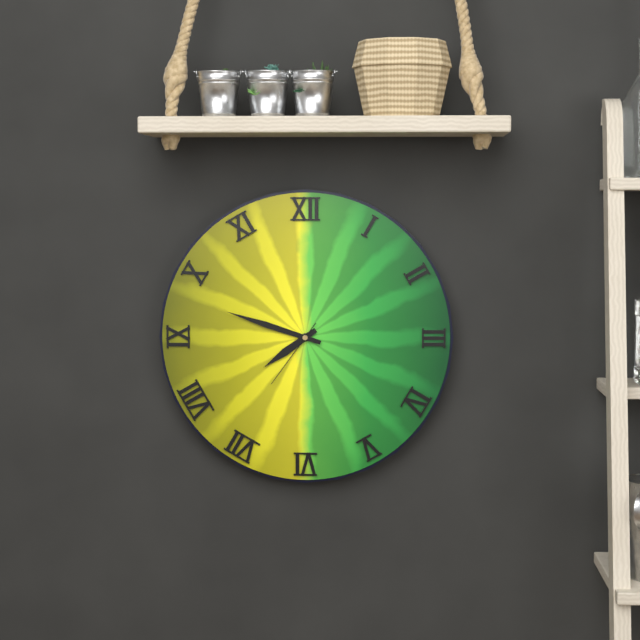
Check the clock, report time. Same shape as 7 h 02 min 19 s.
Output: 7 h 48 min 36 s
